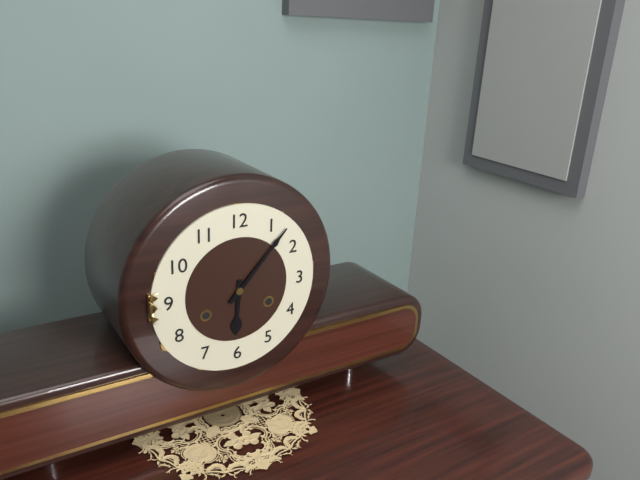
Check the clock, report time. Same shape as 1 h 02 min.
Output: 6 h 07 min
